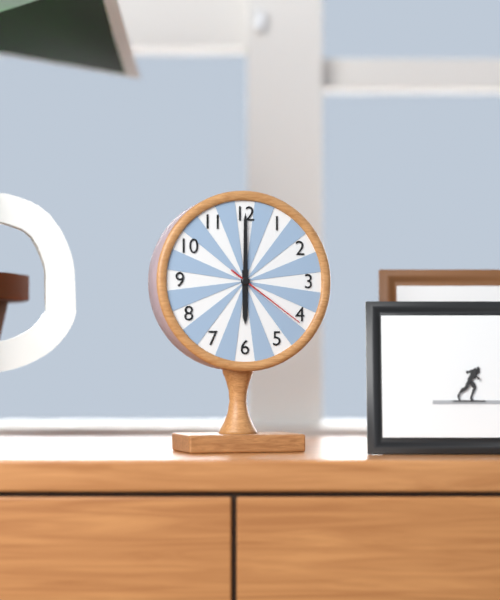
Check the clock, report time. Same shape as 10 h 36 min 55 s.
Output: 6 h 00 min 21 s
